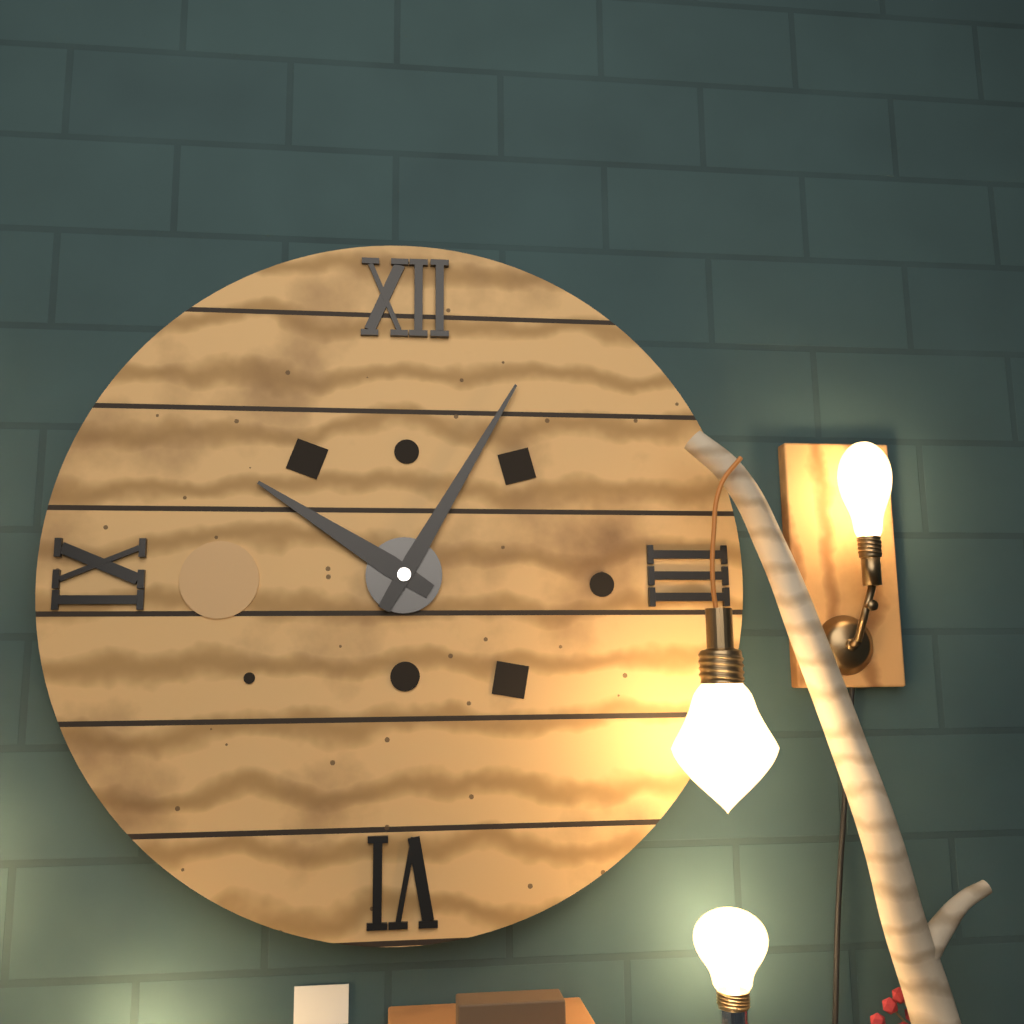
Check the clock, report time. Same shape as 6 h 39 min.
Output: 10 h 05 min
